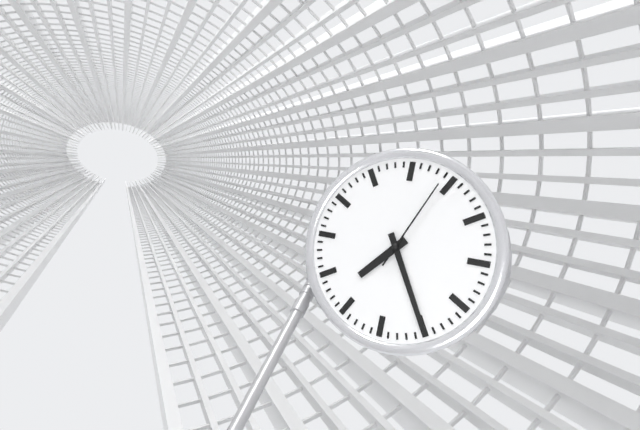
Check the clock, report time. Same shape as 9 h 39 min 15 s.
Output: 7 h 25 min 04 s
